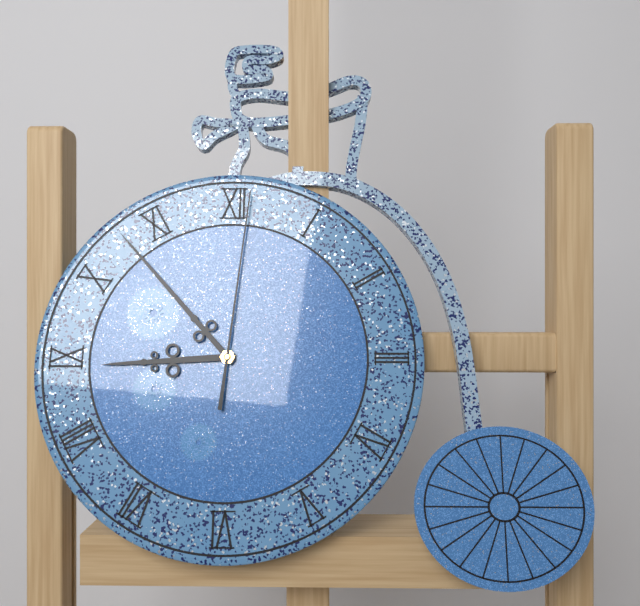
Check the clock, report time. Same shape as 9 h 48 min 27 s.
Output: 8 h 53 min 01 s
